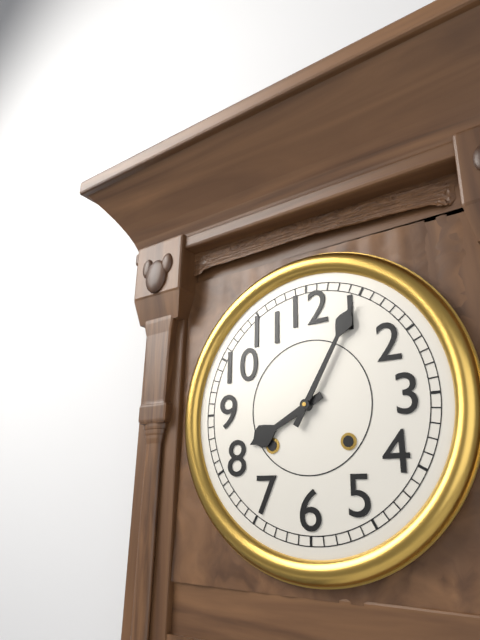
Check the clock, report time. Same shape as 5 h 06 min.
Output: 8 h 05 min
